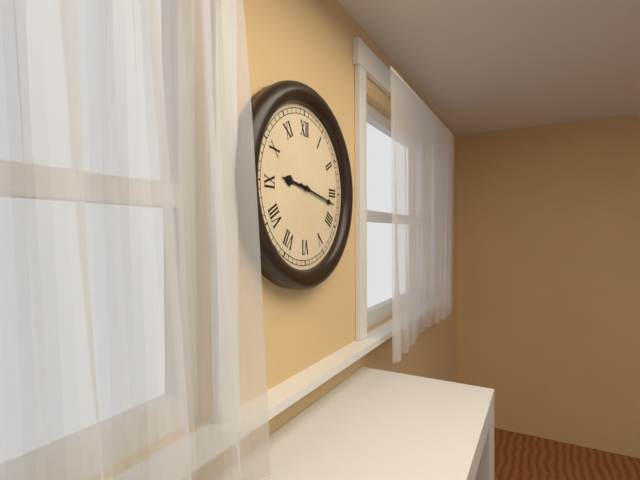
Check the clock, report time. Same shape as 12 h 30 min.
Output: 9 h 17 min
